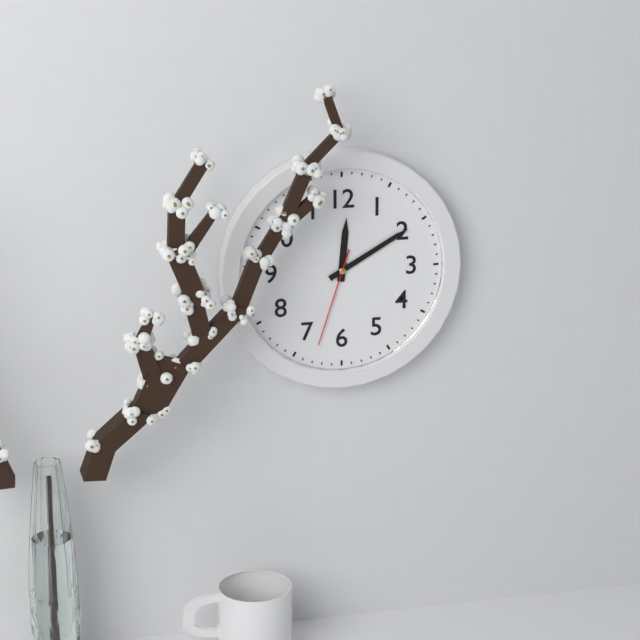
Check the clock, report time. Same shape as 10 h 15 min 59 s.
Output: 12 h 10 min 33 s
